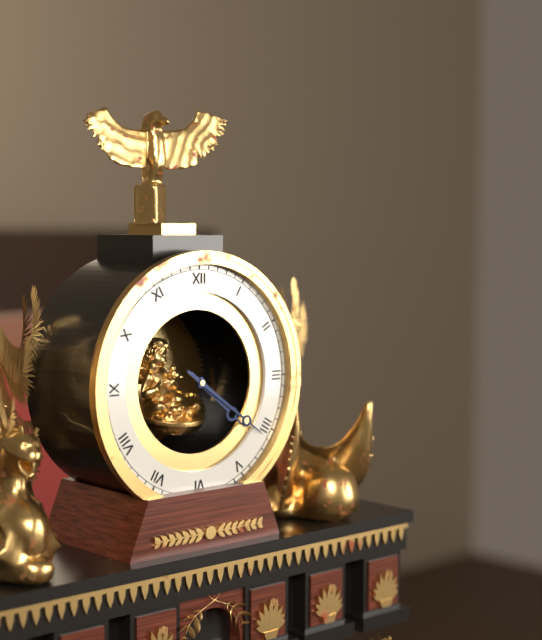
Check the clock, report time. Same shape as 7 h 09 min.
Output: 4 h 21 min
